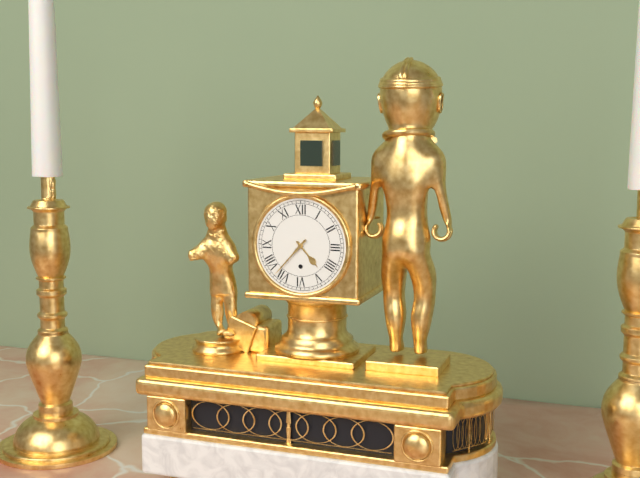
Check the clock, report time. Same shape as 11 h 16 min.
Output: 4 h 37 min
